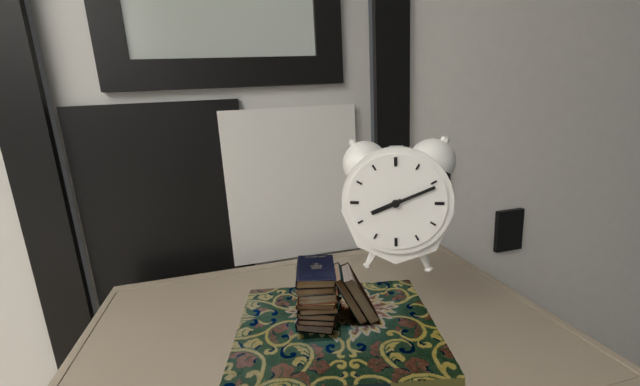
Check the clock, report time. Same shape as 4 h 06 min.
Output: 8 h 11 min
